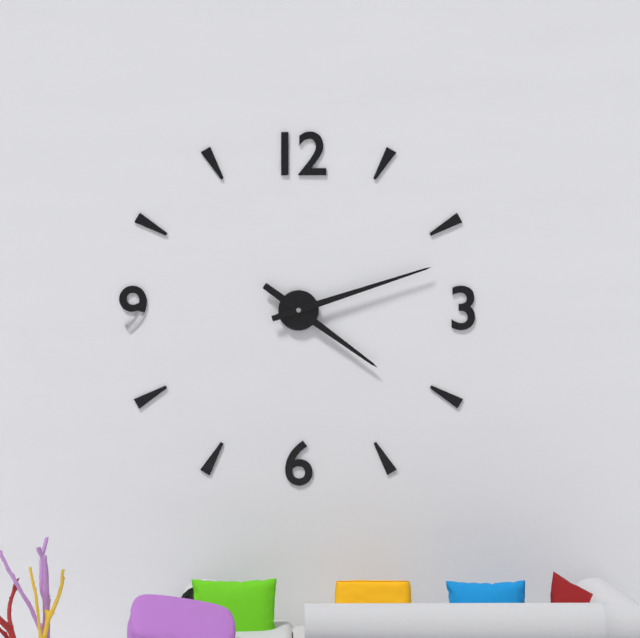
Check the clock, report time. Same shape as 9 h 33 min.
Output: 4 h 12 min
